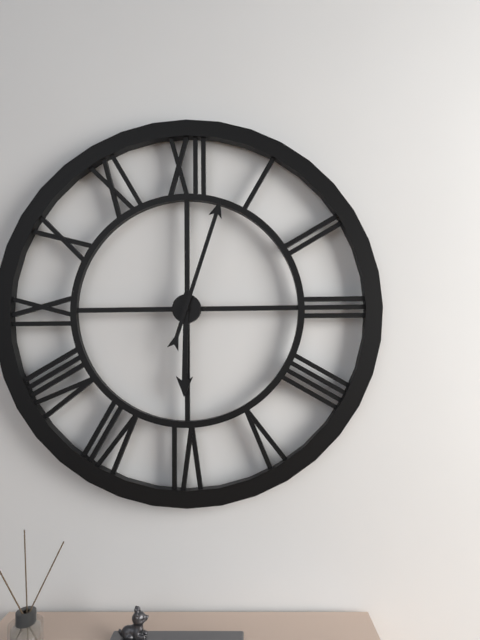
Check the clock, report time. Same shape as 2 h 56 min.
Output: 6 h 03 min
